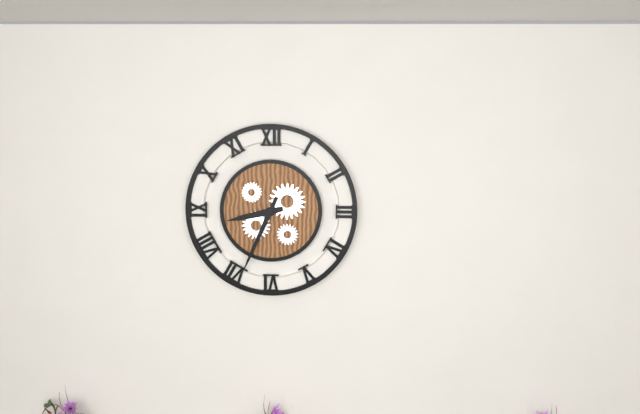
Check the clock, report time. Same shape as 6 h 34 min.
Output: 8 h 34 min
